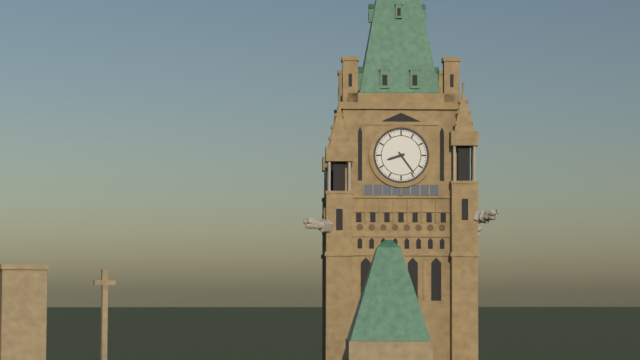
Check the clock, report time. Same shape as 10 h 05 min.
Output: 8 h 24 min
